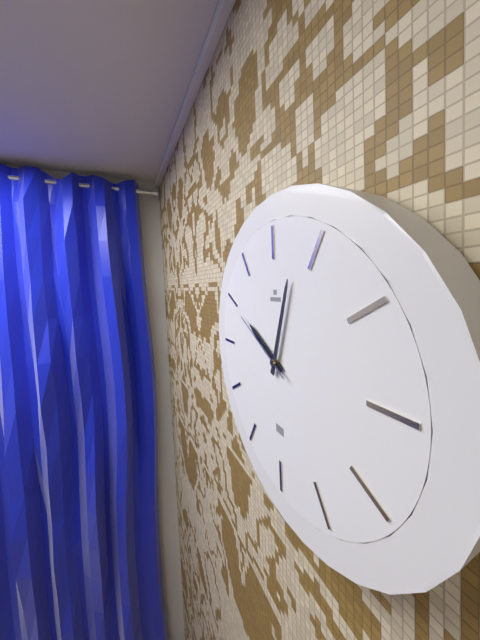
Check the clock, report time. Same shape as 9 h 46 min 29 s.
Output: 10 h 03 min 50 s
